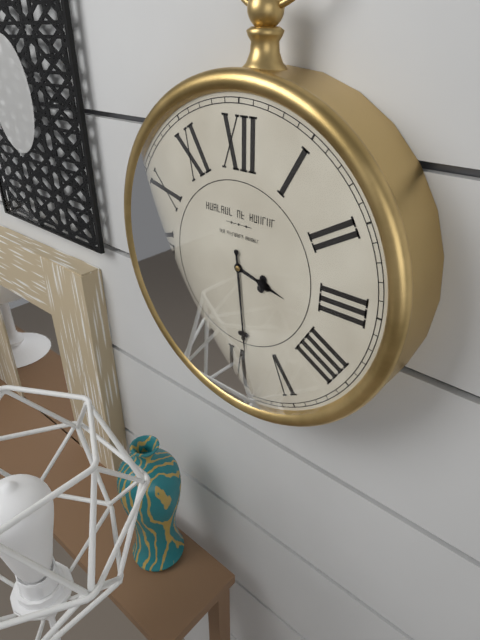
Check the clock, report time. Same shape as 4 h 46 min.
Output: 3 h 29 min
